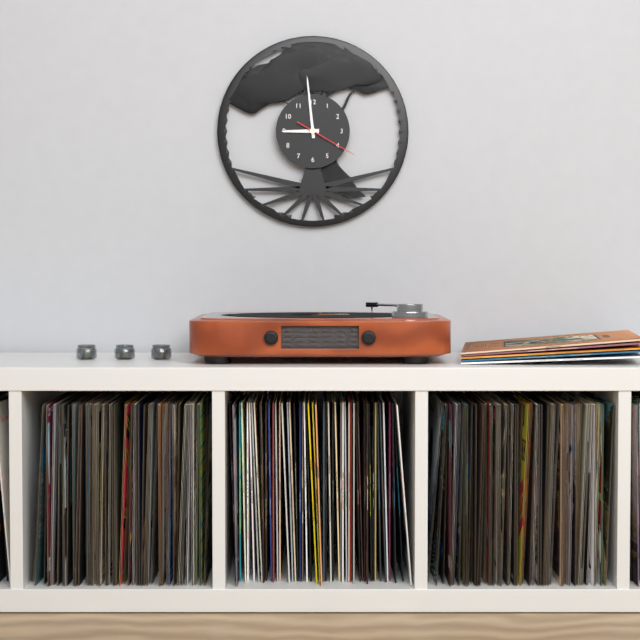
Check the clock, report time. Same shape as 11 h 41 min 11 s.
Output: 8 h 59 min 20 s
